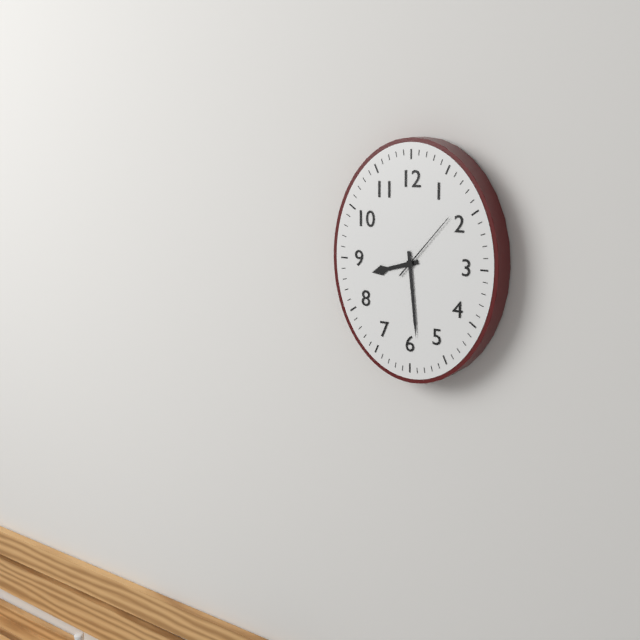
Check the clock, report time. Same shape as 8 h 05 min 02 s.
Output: 8 h 29 min 07 s
